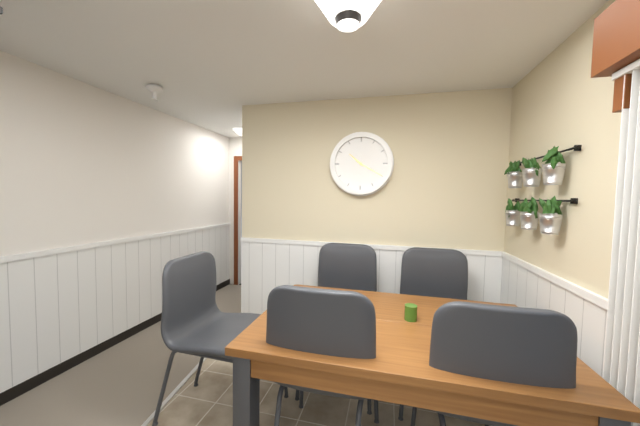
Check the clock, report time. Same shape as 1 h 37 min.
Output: 10 h 20 min
